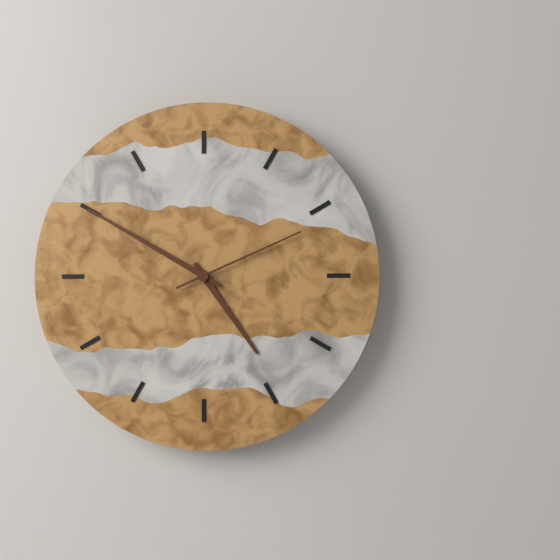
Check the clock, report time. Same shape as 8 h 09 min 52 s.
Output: 4 h 50 min 11 s
